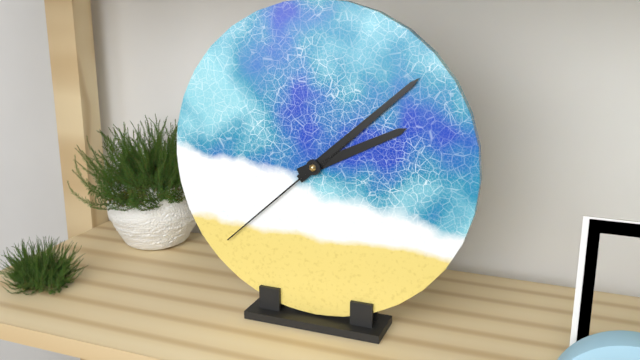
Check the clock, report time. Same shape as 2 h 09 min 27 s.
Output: 2 h 08 min 38 s
